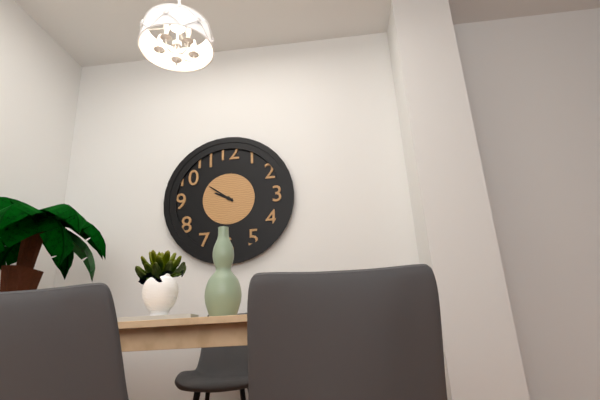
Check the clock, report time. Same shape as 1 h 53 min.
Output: 9 h 51 min
